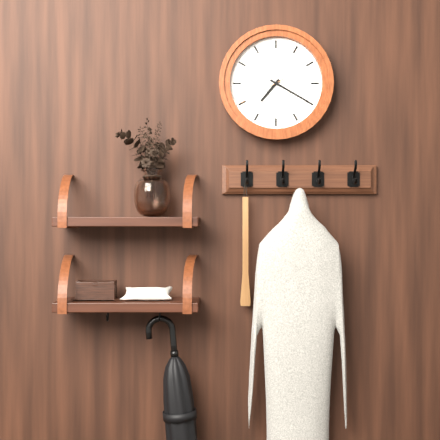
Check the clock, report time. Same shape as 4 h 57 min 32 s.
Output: 7 h 20 min 40 s
